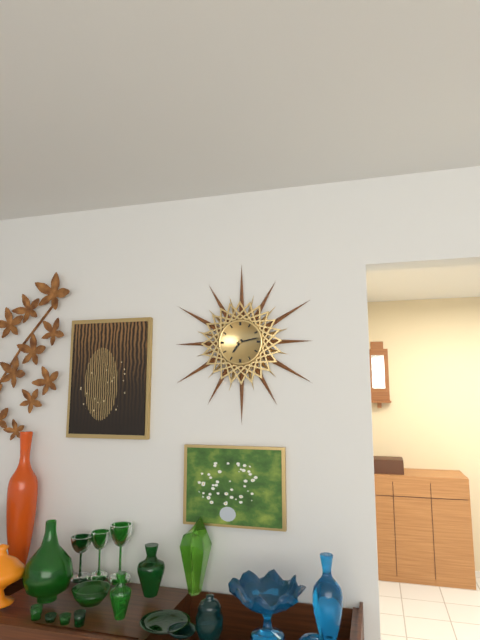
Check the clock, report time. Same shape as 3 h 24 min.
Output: 7 h 13 min
